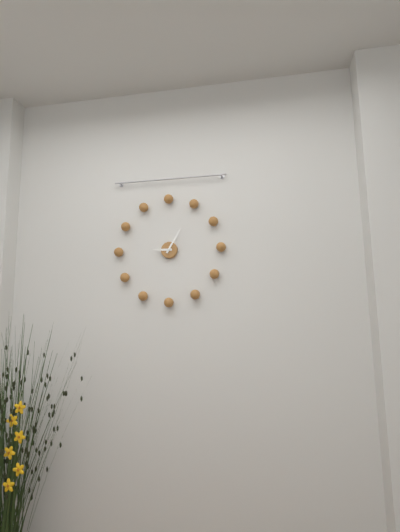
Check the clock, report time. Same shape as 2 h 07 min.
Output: 9 h 05 min
